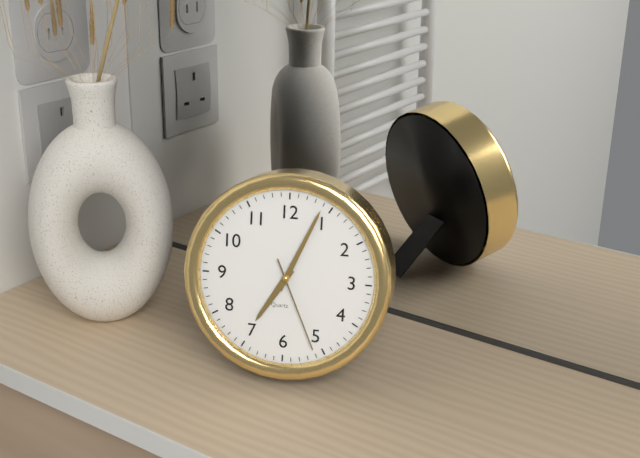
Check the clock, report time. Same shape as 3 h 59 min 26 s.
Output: 7 h 04 min 26 s
